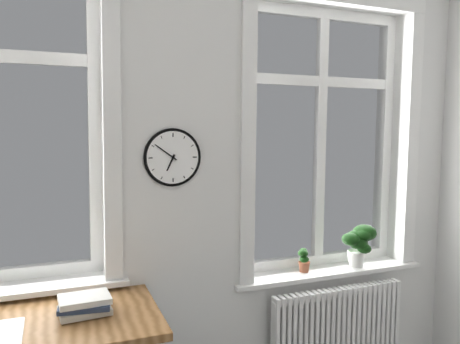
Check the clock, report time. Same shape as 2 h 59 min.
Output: 6 h 51 min
